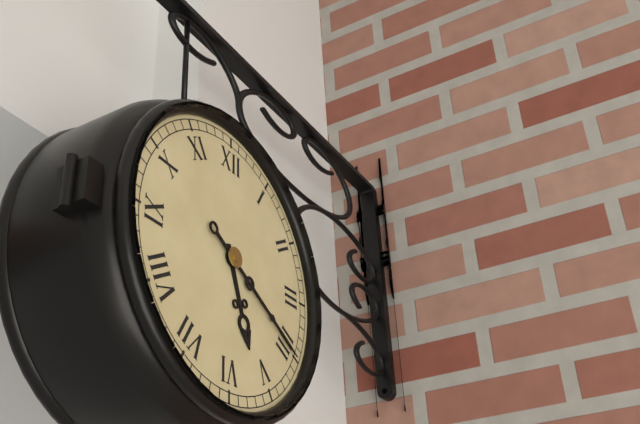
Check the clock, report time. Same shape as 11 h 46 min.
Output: 5 h 20 min
